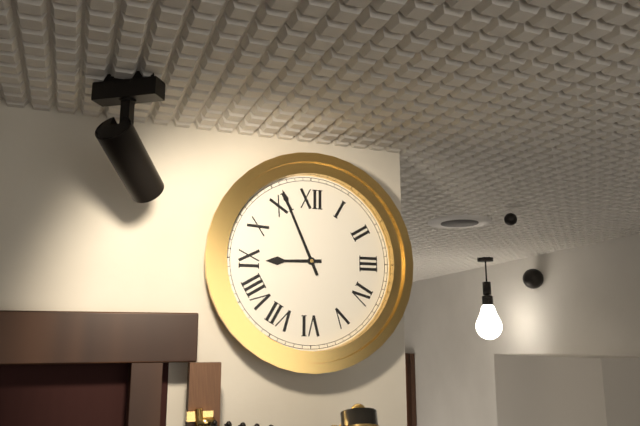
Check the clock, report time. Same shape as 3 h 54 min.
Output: 8 h 56 min
